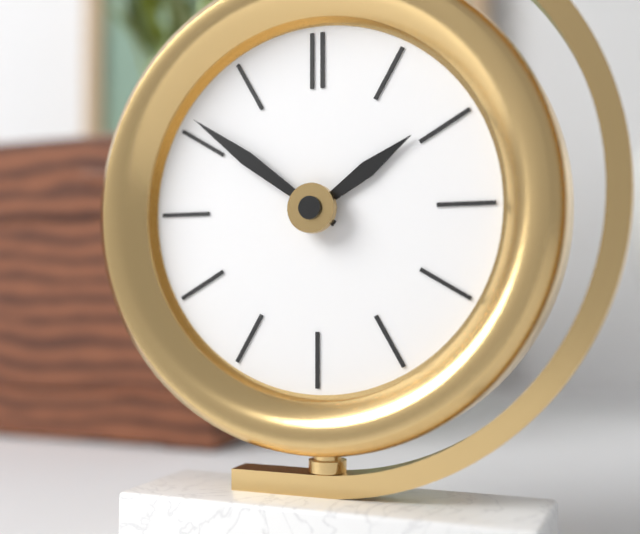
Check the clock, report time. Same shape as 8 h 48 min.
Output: 1 h 51 min
